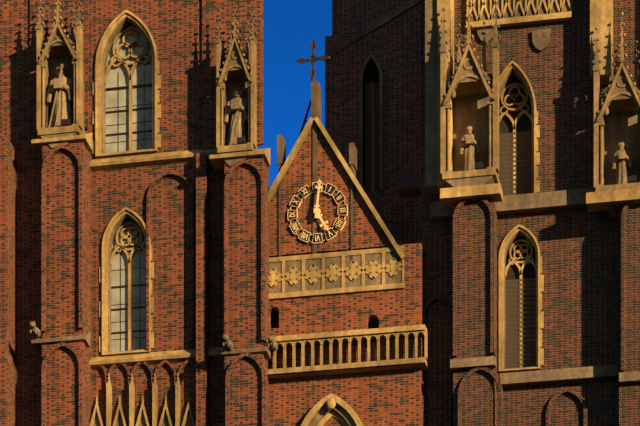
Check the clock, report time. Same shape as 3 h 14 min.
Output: 5 h 01 min
